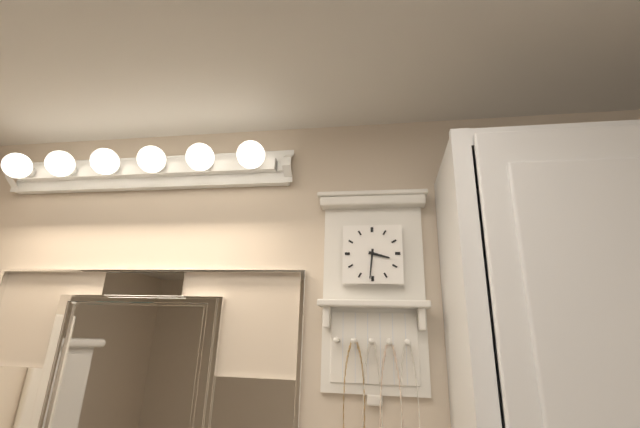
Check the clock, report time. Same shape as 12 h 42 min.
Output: 3 h 31 min
